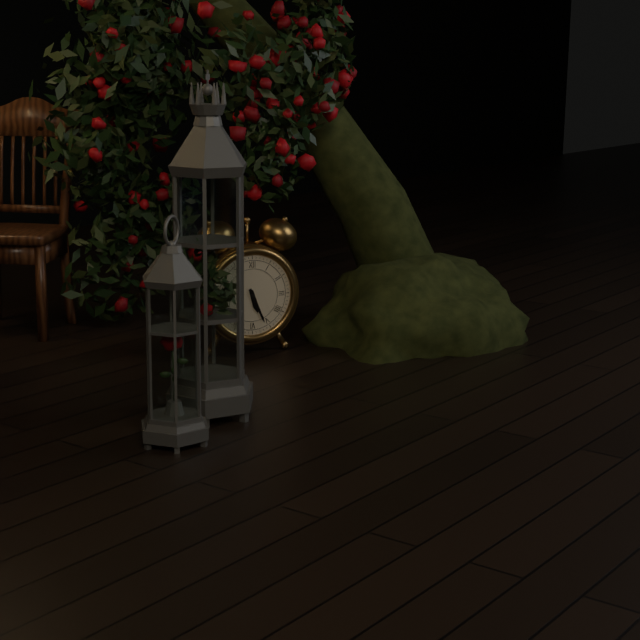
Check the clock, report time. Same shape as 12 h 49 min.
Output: 5 h 26 min
